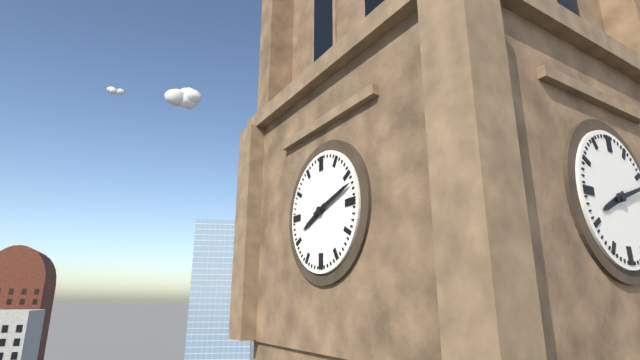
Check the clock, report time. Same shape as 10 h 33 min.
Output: 8 h 12 min
